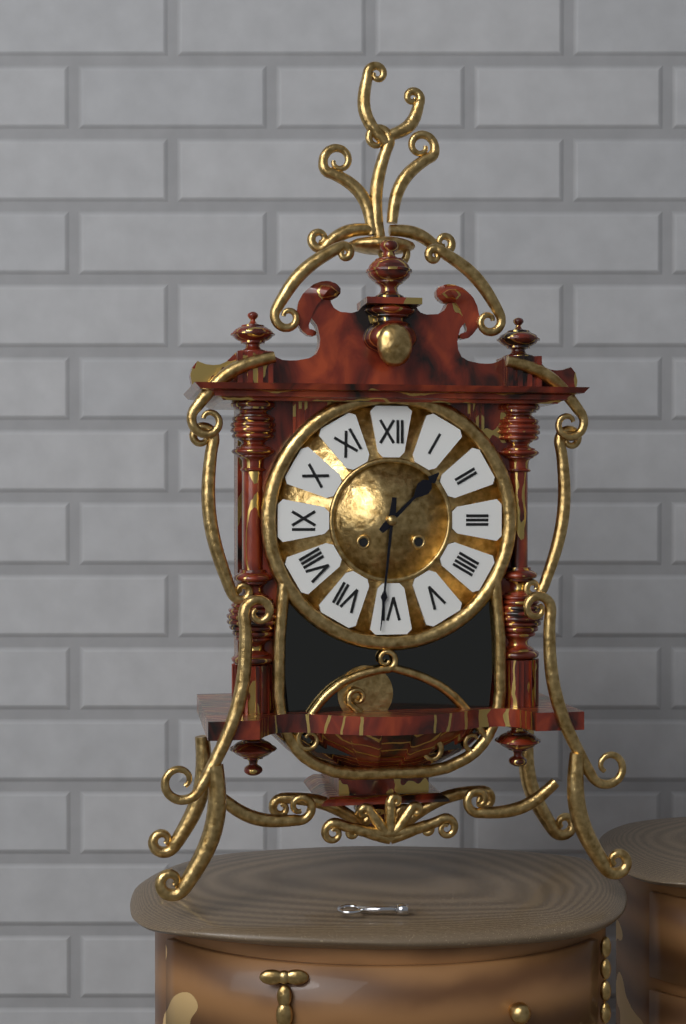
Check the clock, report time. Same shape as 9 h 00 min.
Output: 1 h 31 min
